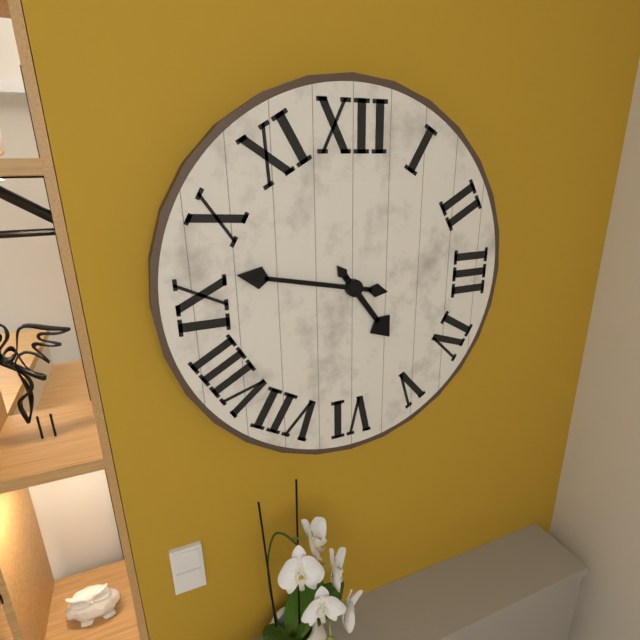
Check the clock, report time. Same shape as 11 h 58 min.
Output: 4 h 47 min
